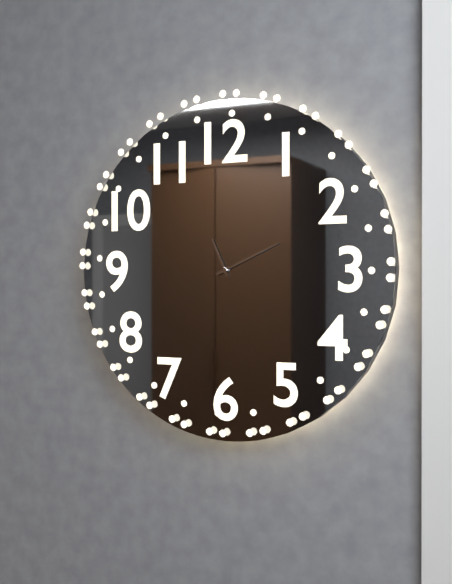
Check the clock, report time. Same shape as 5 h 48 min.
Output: 11 h 11 min
